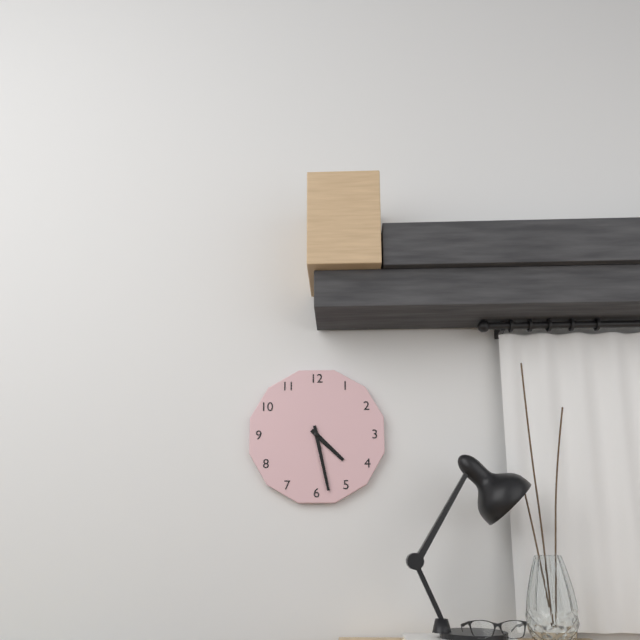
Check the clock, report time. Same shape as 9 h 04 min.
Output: 4 h 28 min
